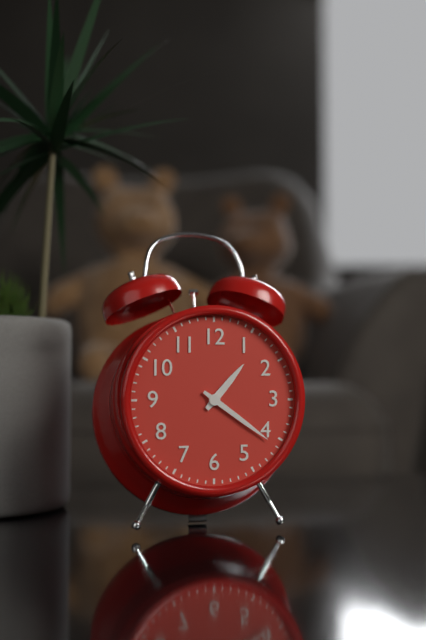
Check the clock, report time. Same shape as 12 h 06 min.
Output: 1 h 21 min
